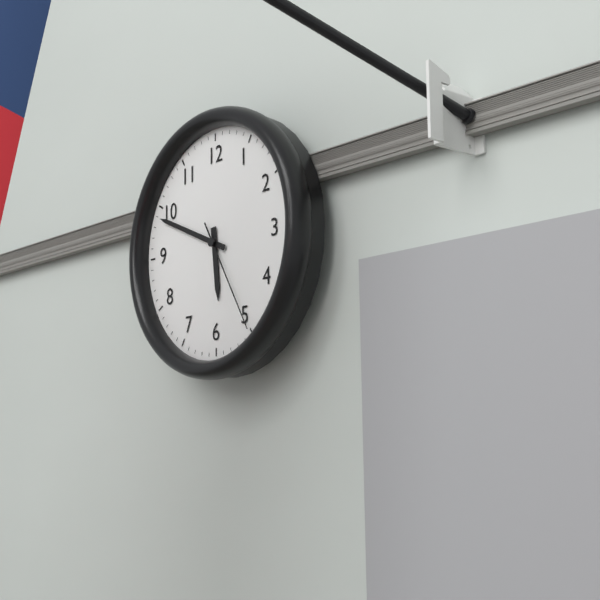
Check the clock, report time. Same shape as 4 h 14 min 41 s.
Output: 5 h 49 min 25 s
